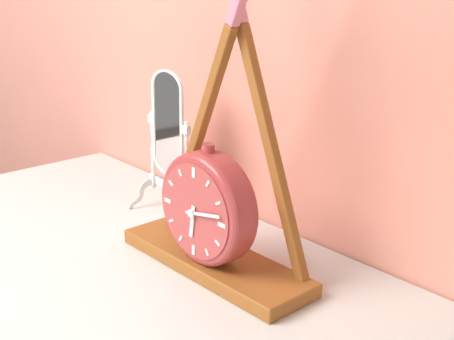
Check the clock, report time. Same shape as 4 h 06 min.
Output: 6 h 13 min
